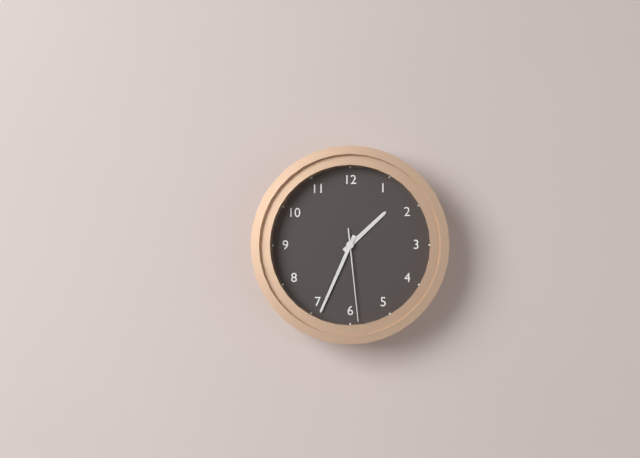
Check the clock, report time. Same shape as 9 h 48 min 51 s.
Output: 1 h 34 min 29 s
